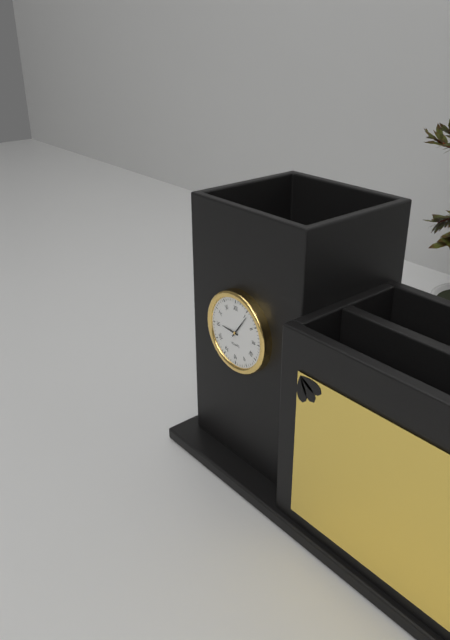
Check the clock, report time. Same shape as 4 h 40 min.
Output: 9 h 06 min
